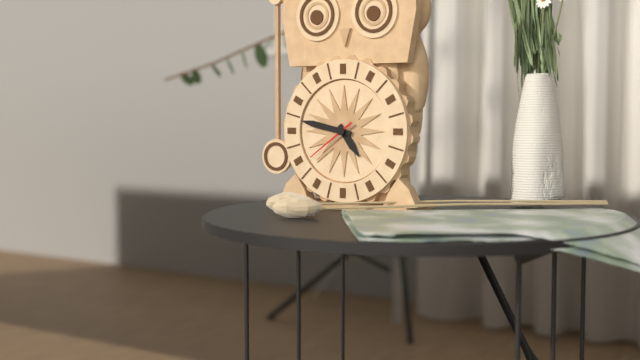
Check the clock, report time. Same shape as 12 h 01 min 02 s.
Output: 4 h 47 min 39 s
